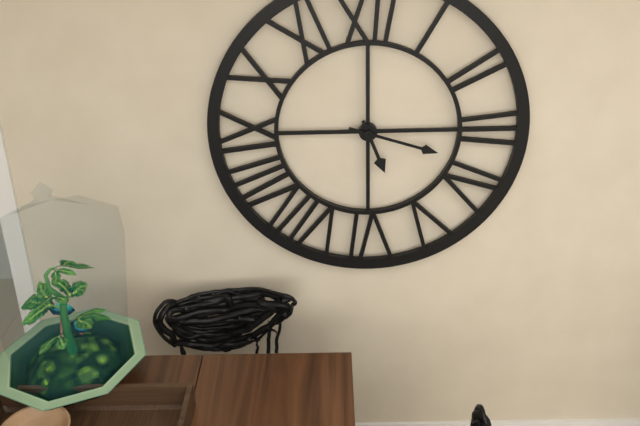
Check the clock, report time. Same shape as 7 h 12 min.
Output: 5 h 18 min
